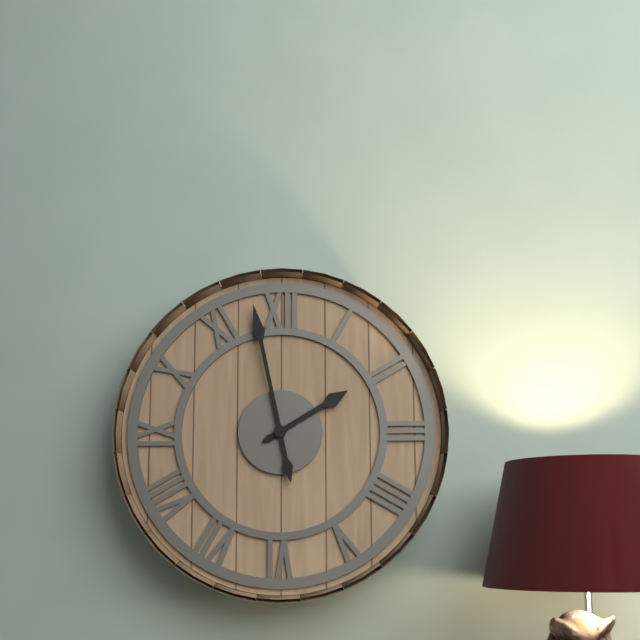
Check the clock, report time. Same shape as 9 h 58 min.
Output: 1 h 58 min
